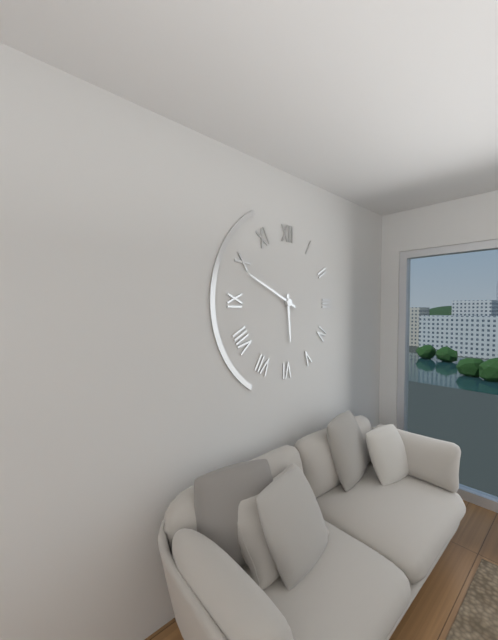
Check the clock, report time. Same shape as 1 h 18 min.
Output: 5 h 49 min
